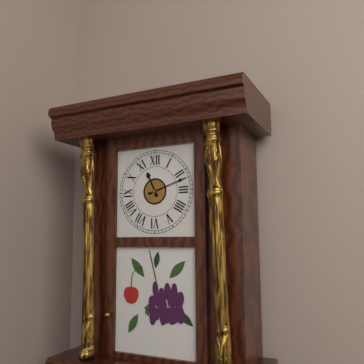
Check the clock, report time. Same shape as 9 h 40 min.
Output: 11 h 12 min
